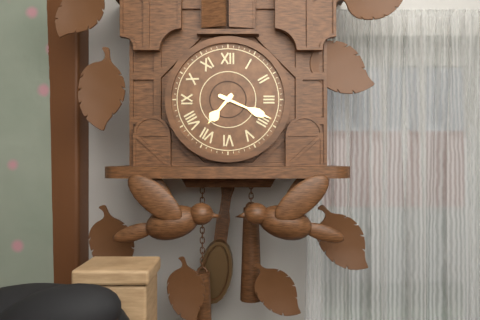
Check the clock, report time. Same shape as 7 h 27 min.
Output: 7 h 19 min
